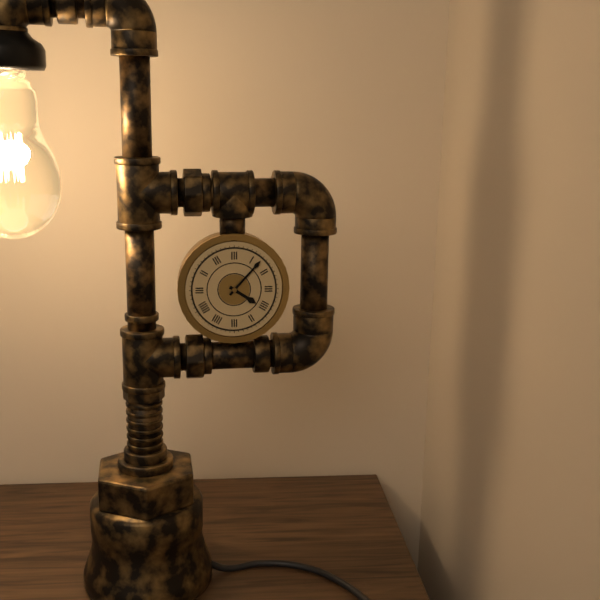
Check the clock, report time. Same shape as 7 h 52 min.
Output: 4 h 07 min
